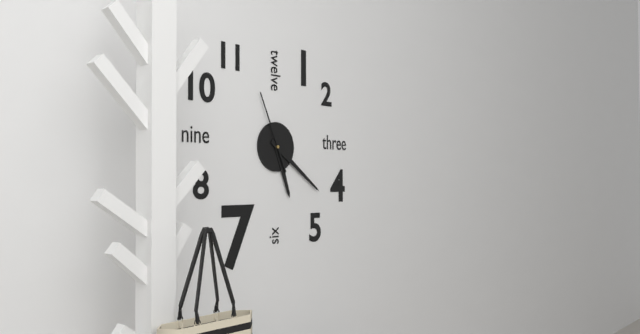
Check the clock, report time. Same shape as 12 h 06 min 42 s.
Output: 5 h 21 min 56 s
